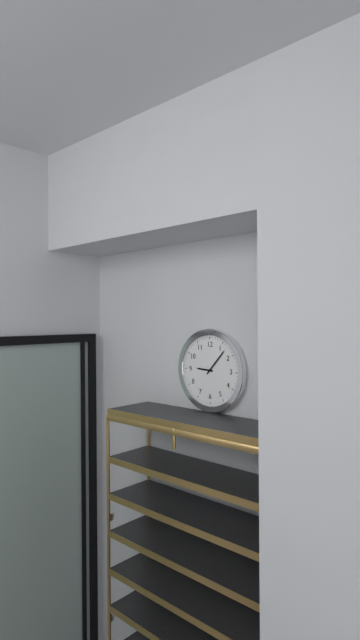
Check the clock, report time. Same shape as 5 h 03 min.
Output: 9 h 07 min
